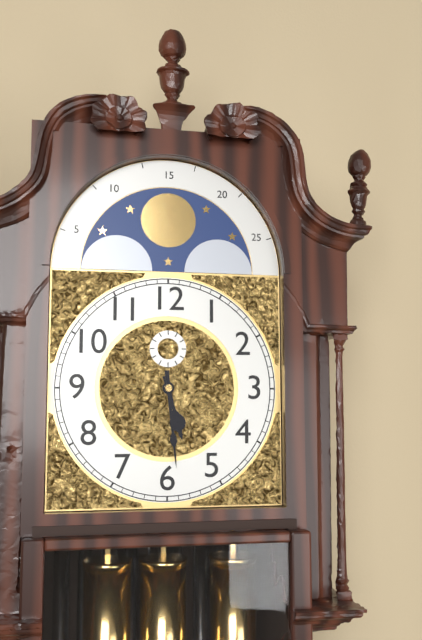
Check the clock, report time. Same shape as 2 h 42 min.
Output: 5 h 29 min
